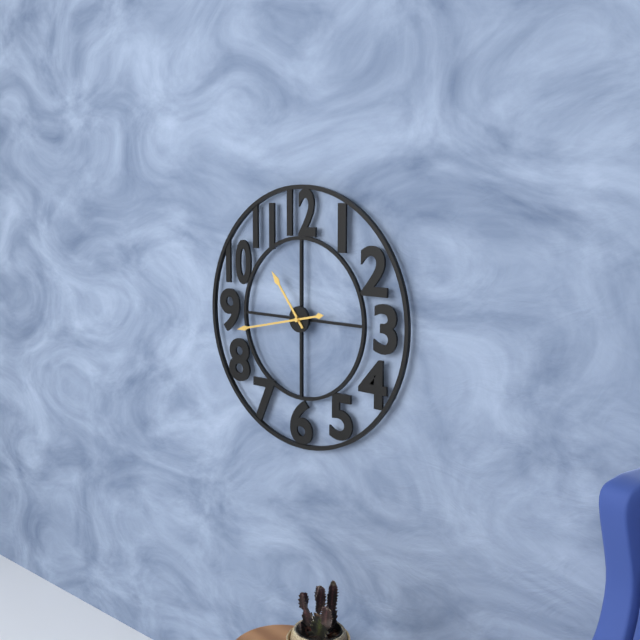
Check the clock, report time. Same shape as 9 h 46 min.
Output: 10 h 43 min
